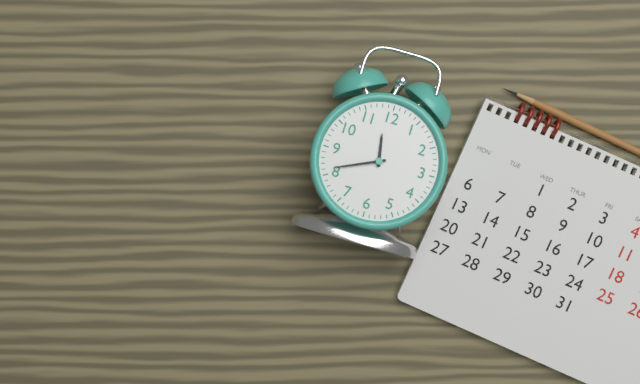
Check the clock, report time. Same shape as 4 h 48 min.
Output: 11 h 41 min
